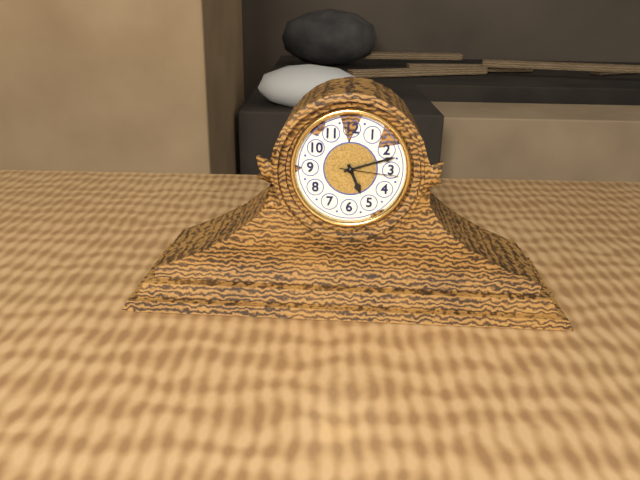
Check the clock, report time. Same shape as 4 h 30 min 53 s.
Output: 5 h 12 min 16 s
